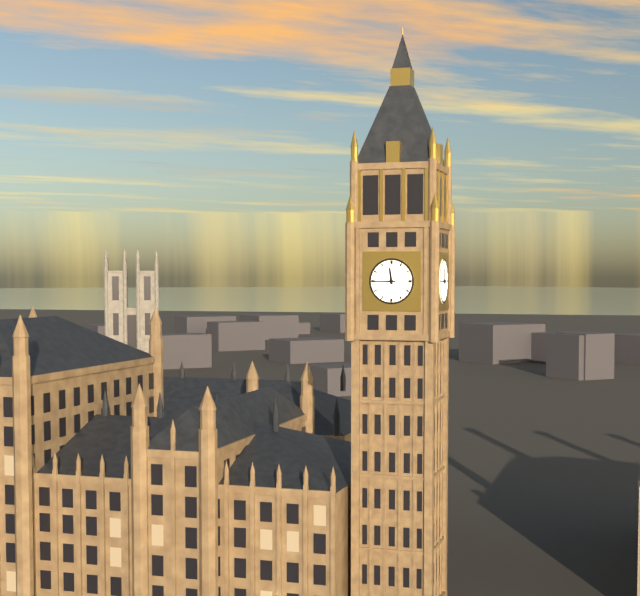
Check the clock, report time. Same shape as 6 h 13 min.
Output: 11 h 45 min
